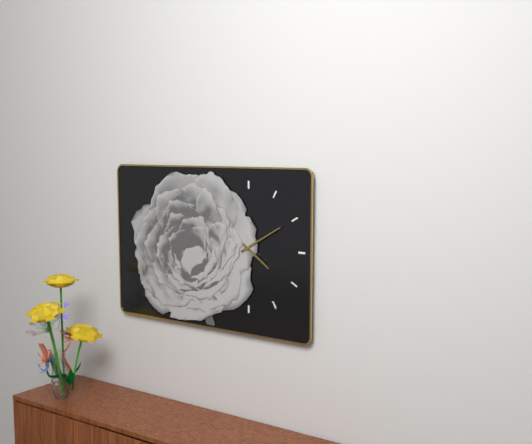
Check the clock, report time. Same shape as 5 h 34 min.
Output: 4 h 10 min
